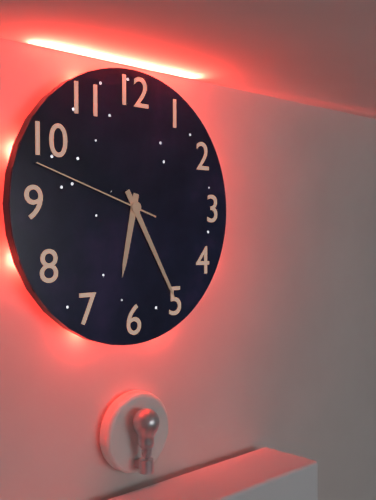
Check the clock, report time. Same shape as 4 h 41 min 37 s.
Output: 6 h 25 min 48 s
